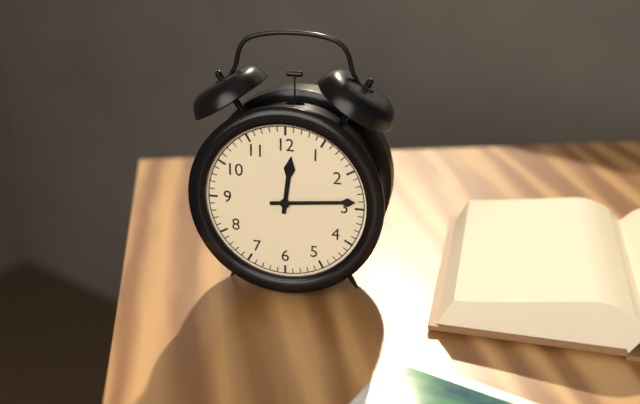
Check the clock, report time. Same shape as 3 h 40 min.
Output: 12 h 14 min
